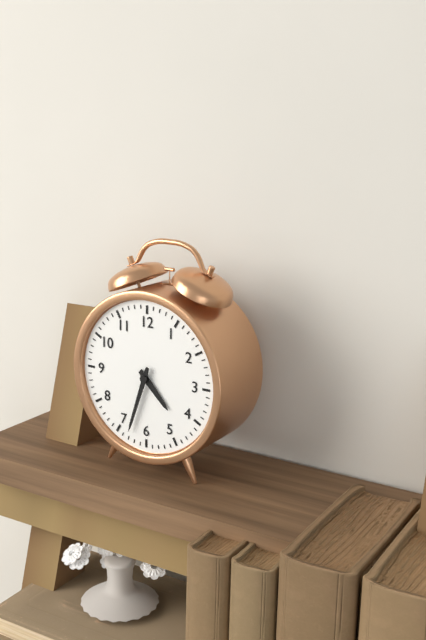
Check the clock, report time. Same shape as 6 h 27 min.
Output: 4 h 33 min
